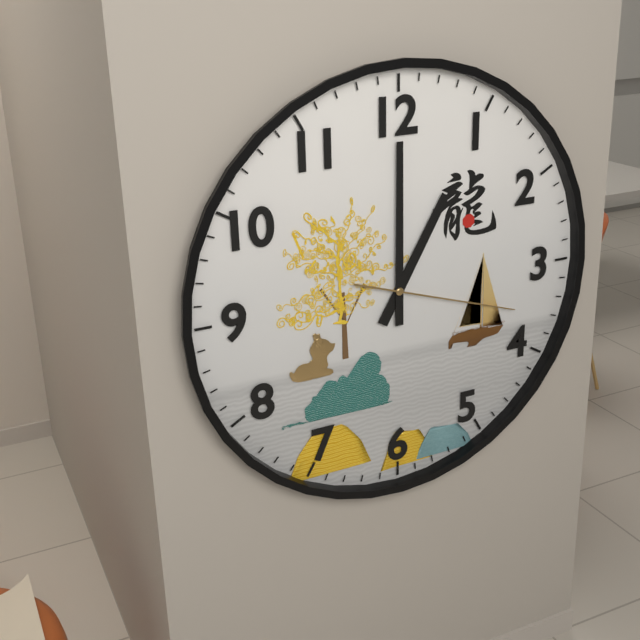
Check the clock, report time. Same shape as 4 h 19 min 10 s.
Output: 1 h 00 min 18 s
